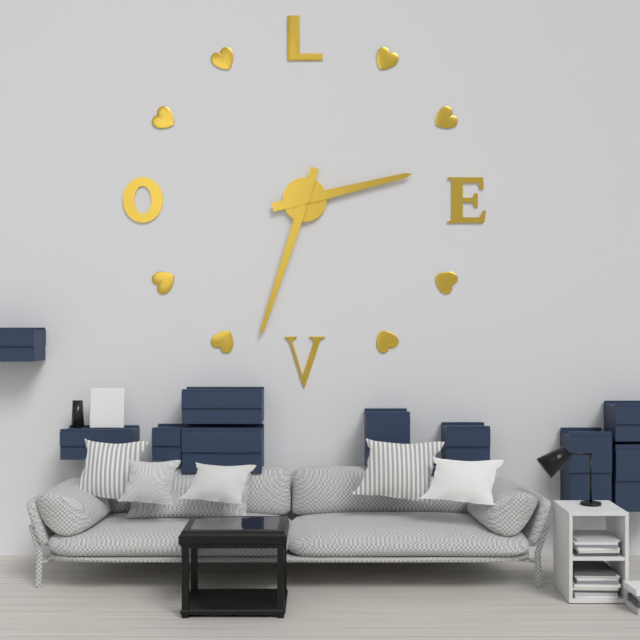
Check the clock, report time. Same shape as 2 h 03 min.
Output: 2 h 33 min
